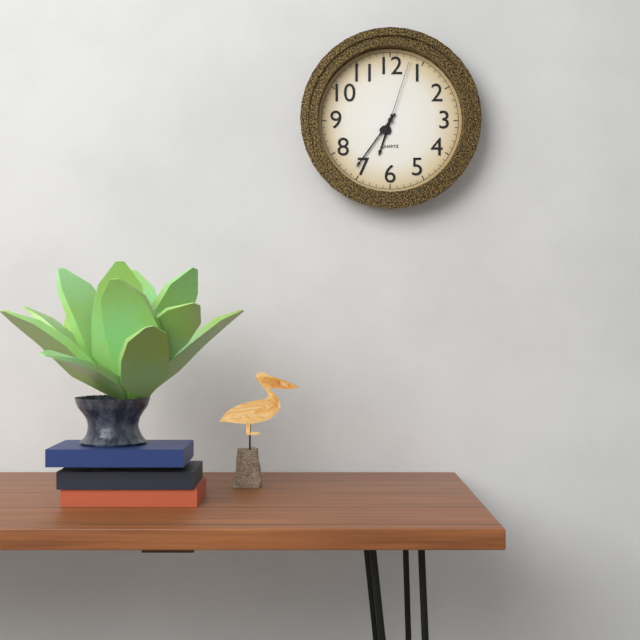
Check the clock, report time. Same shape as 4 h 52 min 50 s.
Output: 6 h 36 min 03 s
